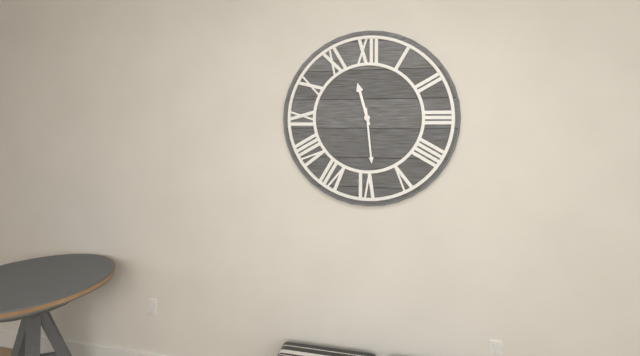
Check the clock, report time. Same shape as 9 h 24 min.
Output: 11 h 29 min
